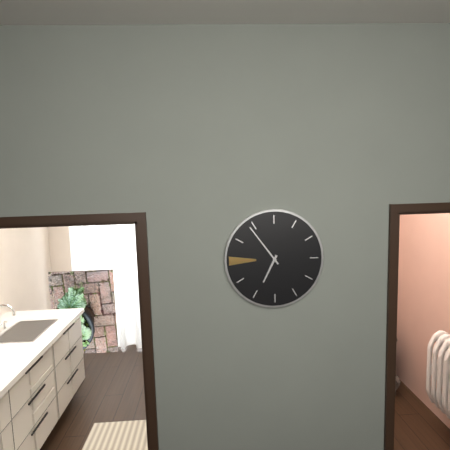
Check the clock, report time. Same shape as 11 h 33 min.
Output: 6 h 54 min
